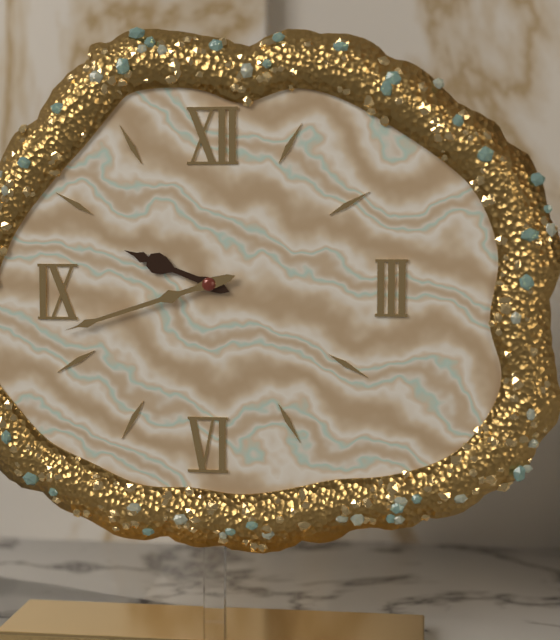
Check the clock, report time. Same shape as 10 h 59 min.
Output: 9 h 42 min
